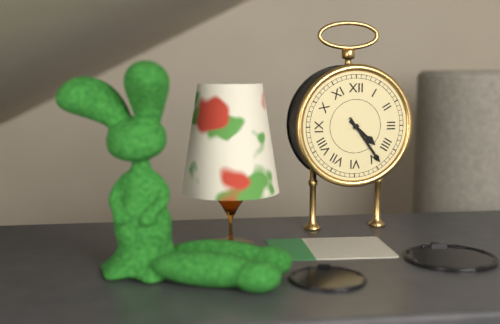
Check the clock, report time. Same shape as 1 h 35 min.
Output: 4 h 24 min
